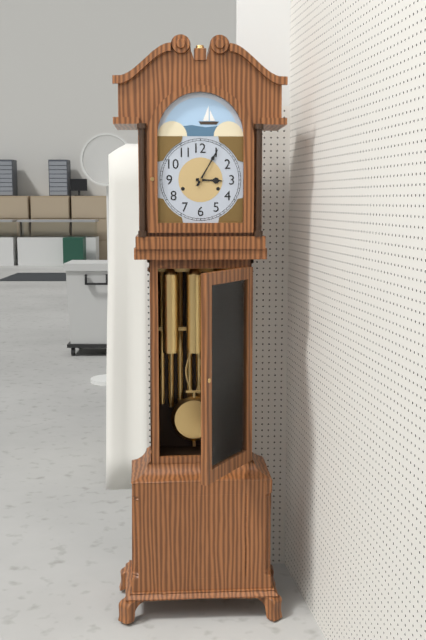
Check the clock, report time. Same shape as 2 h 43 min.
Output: 3 h 05 min
